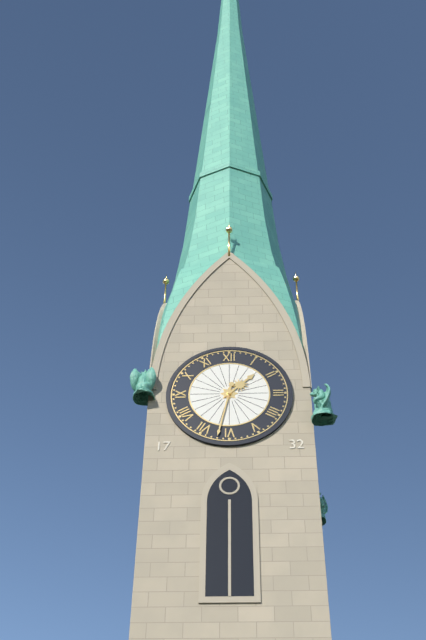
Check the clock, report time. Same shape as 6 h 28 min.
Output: 1 h 32 min
